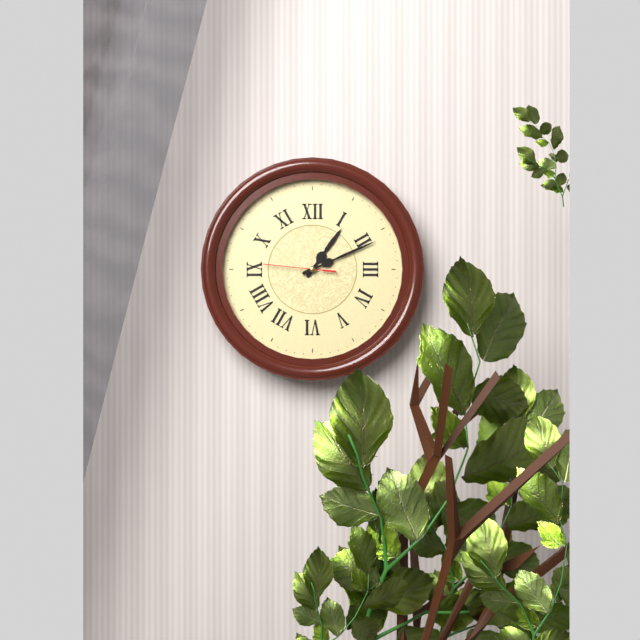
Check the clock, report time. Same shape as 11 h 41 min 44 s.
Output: 1 h 11 min 46 s
